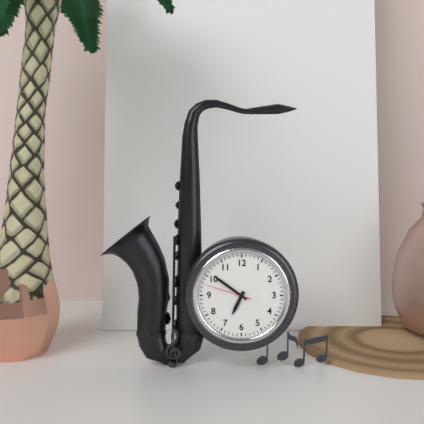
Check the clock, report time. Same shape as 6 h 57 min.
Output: 6 h 51 min
